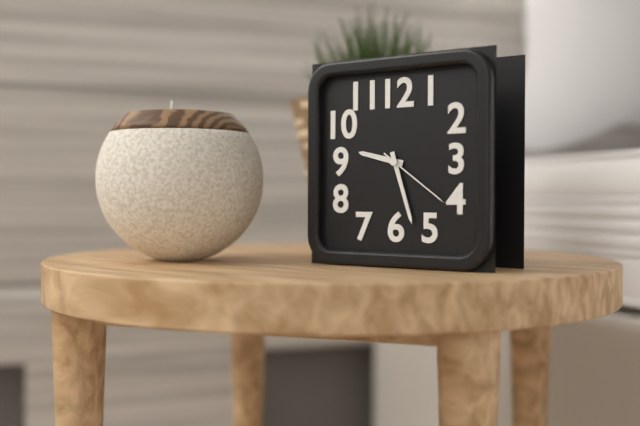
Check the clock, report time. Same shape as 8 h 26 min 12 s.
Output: 9 h 27 min 21 s
